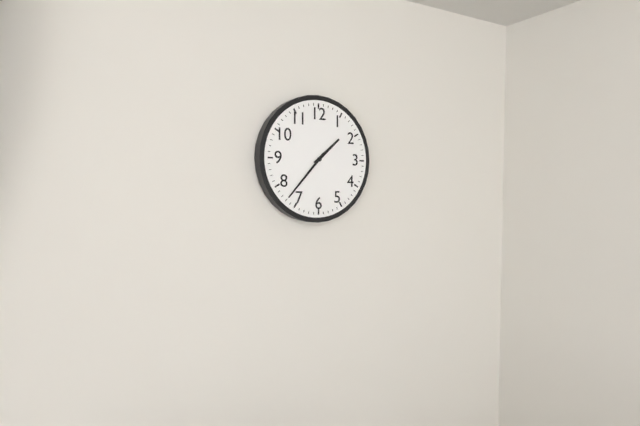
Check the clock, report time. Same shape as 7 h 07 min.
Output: 1 h 37 min
